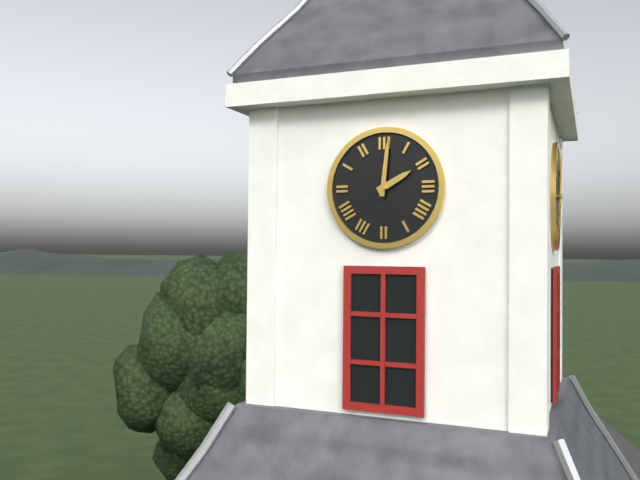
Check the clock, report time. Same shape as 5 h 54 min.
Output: 2 h 01 min
